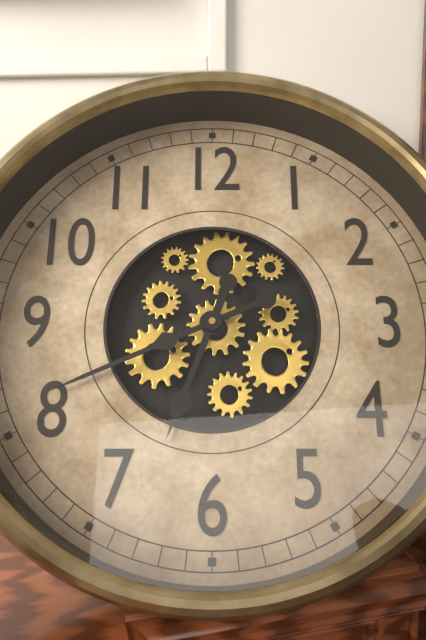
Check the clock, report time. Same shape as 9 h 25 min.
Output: 6 h 41 min
